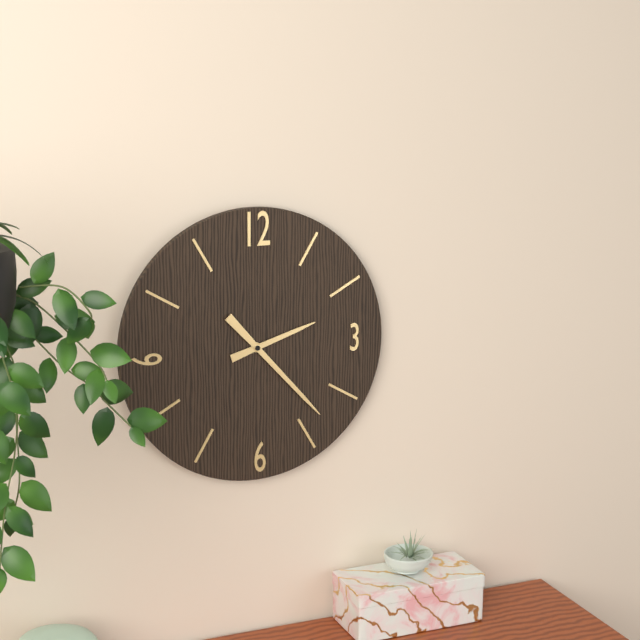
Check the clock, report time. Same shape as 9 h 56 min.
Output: 2 h 23 min
